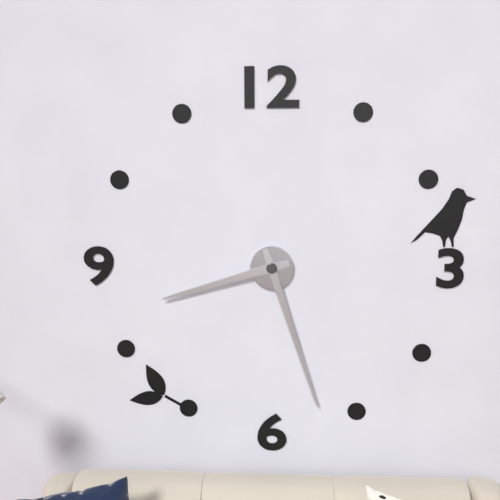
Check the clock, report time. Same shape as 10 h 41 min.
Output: 8 h 27 min
